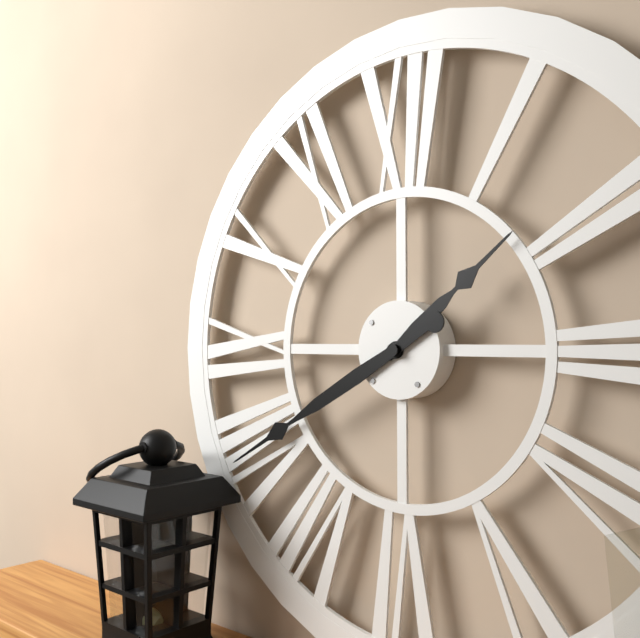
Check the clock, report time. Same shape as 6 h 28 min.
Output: 1 h 40 min
